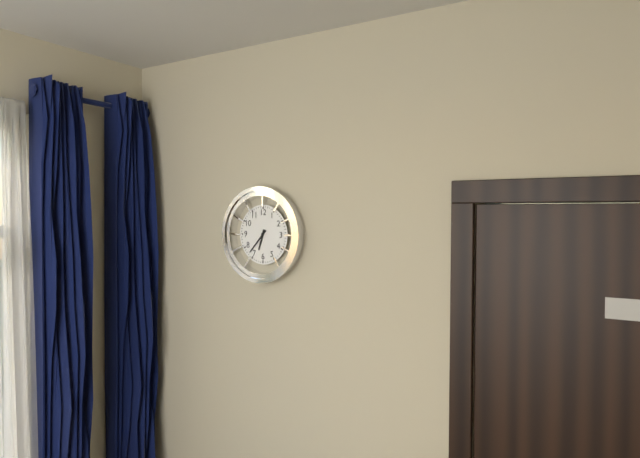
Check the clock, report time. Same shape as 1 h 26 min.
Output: 6 h 37 min
